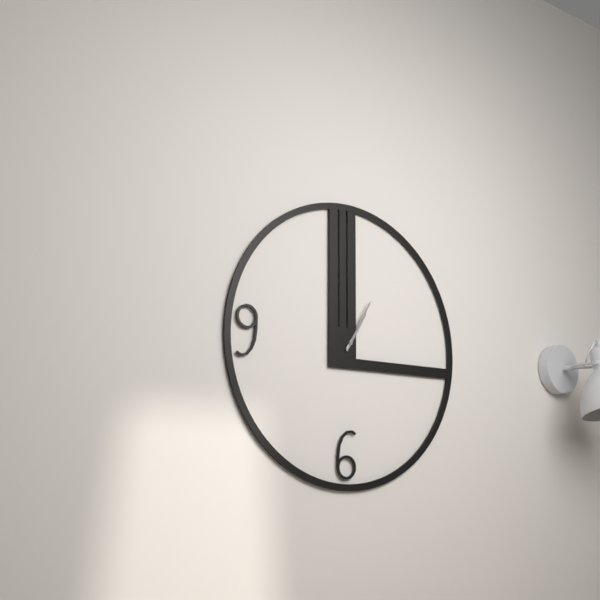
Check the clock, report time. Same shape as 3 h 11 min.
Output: 1 h 05 min
